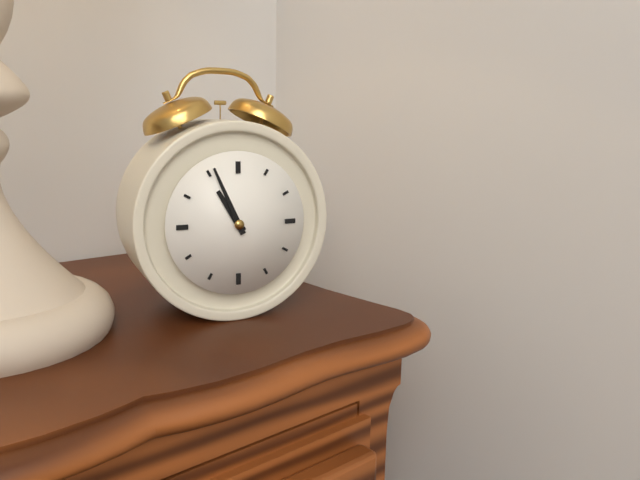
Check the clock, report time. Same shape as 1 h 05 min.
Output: 10 h 56 min
